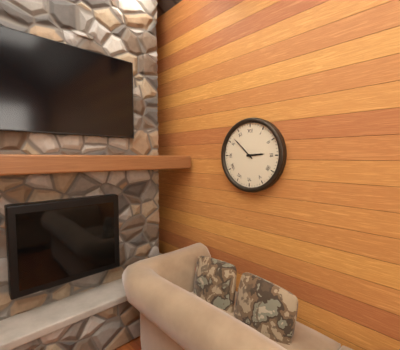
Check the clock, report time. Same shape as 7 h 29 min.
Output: 2 h 52 min
